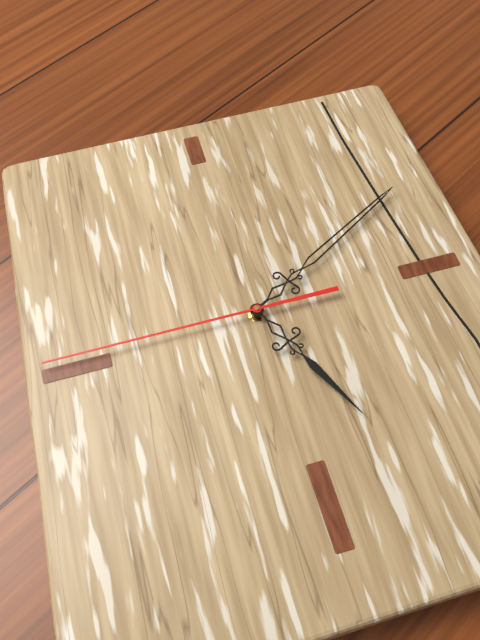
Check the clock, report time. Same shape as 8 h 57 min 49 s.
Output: 5 h 10 min 45 s
